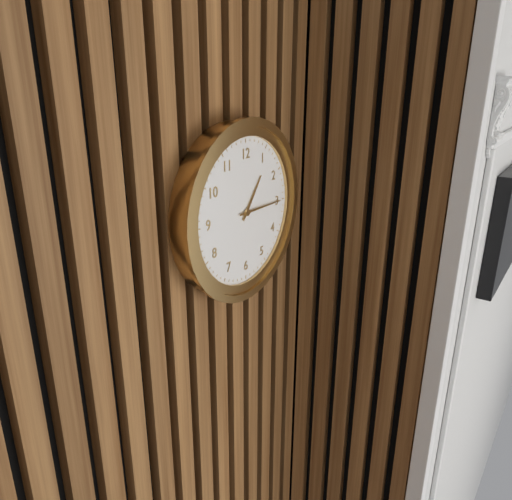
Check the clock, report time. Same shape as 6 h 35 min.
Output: 1 h 15 min
